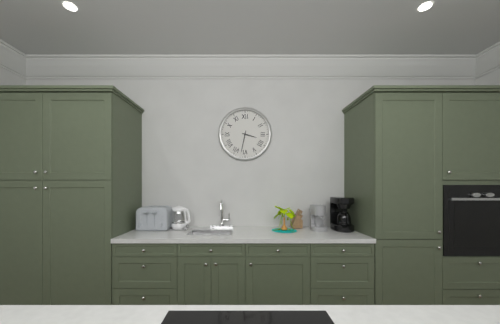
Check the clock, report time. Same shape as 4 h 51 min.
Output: 3 h 32 min
